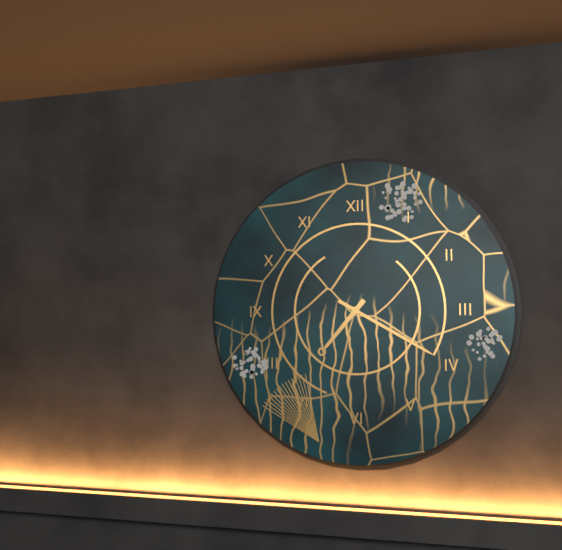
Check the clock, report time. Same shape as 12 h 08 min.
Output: 7 h 20 min
